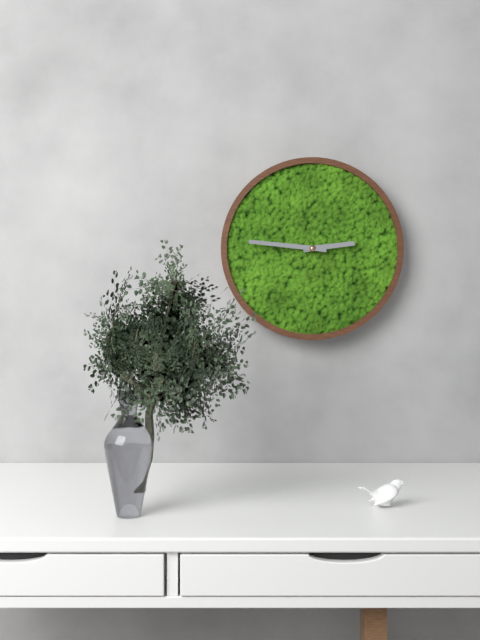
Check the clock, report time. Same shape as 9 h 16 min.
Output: 2 h 46 min
